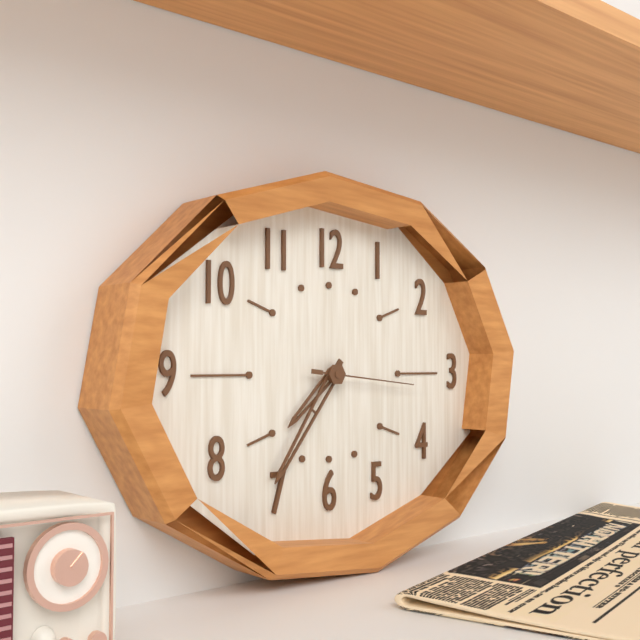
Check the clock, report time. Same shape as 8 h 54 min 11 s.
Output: 7 h 36 min 16 s
